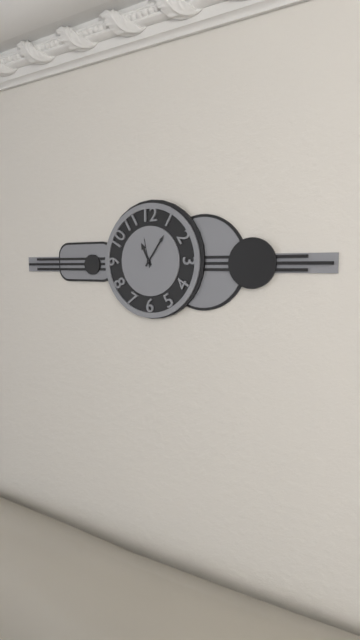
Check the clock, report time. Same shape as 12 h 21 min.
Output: 11 h 06 min
